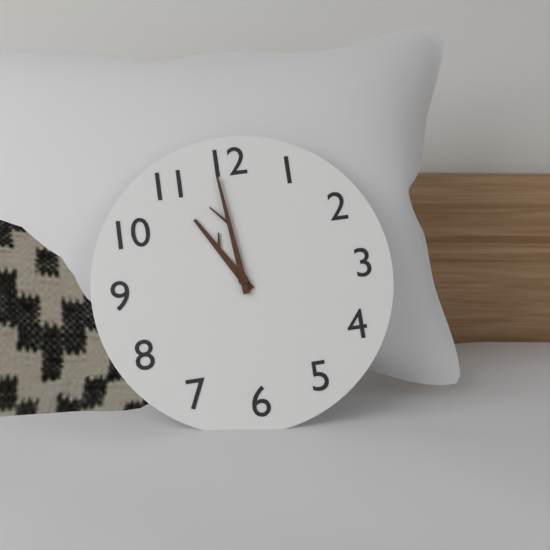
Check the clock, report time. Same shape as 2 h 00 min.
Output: 10 h 59 min
